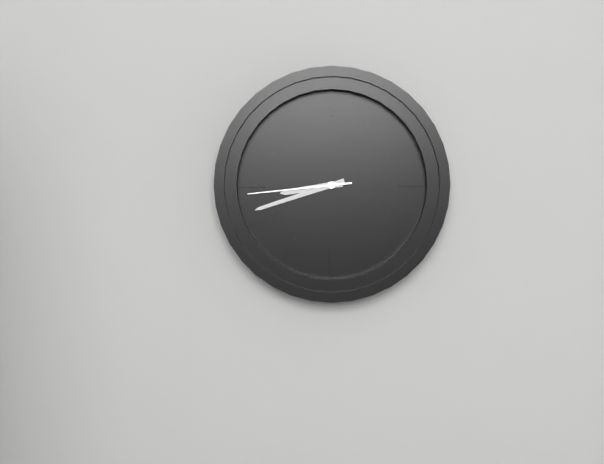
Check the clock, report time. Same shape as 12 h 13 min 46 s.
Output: 8 h 42 min 44 s
